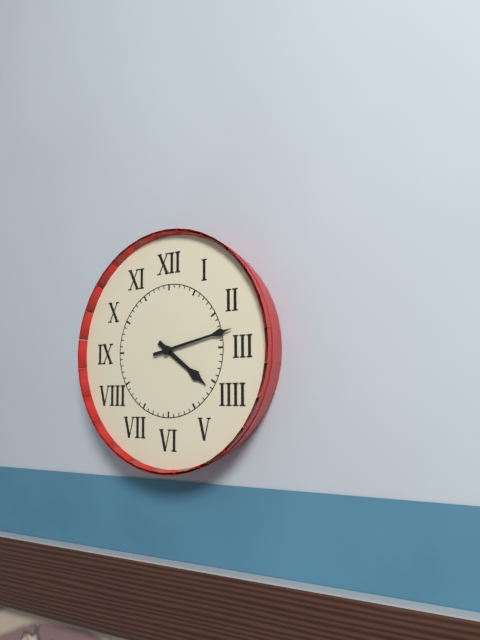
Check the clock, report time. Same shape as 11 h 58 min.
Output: 4 h 13 min
